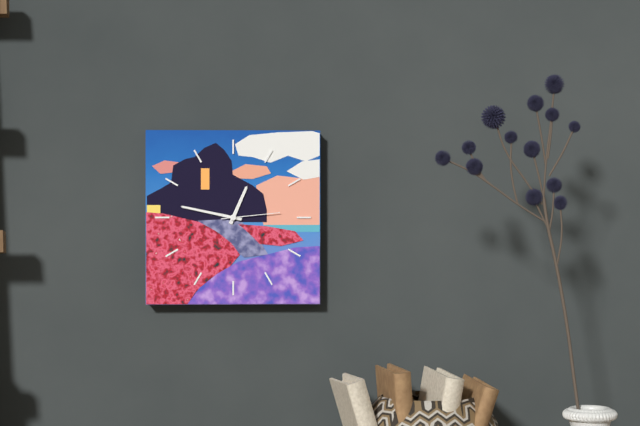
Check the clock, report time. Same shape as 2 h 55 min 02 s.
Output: 12 h 47 min 14 s
